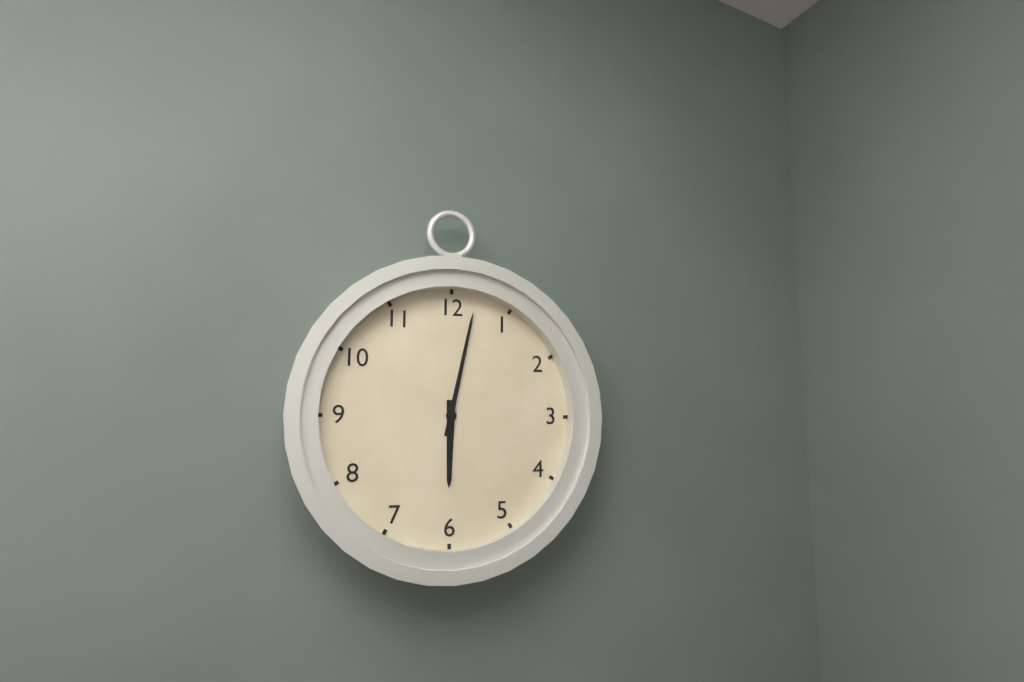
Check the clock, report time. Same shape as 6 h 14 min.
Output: 6 h 02 min
